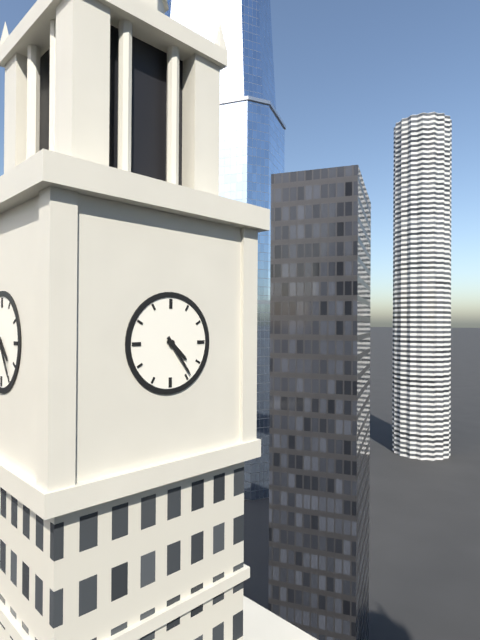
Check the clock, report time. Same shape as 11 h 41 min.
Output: 4 h 24 min
